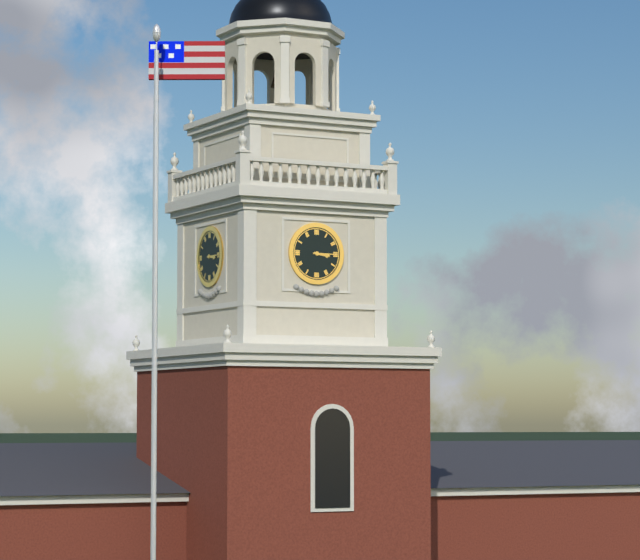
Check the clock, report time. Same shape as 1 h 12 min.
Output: 3 h 15 min
